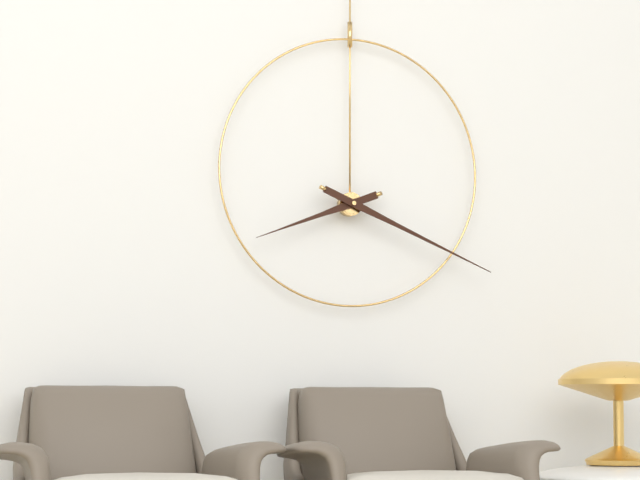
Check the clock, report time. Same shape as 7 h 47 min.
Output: 8 h 19 min
